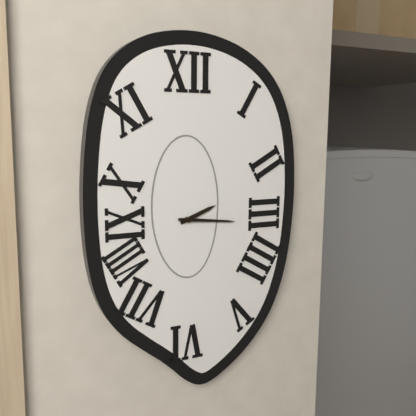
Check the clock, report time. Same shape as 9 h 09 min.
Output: 2 h 16 min
